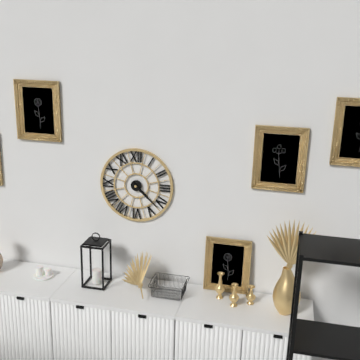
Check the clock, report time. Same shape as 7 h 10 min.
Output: 4 h 22 min
